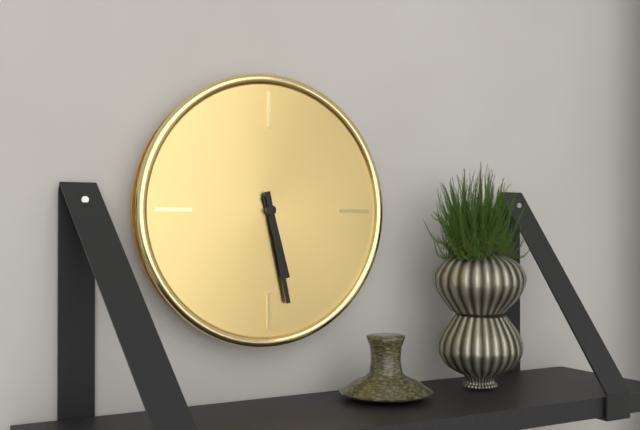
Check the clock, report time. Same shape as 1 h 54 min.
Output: 5 h 28 min
